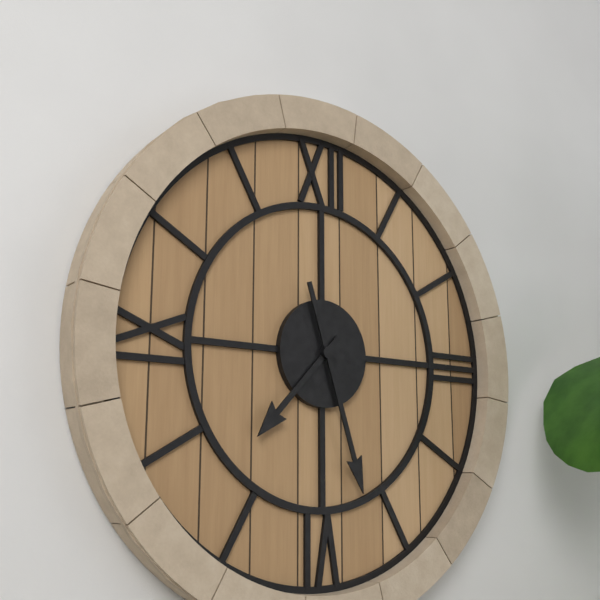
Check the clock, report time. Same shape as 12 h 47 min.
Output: 7 h 27 min
